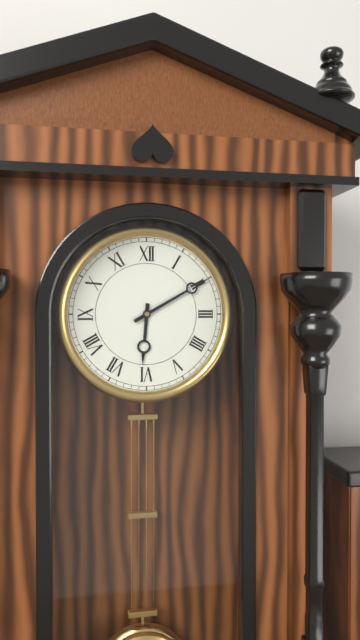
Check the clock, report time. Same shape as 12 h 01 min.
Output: 6 h 10 min
